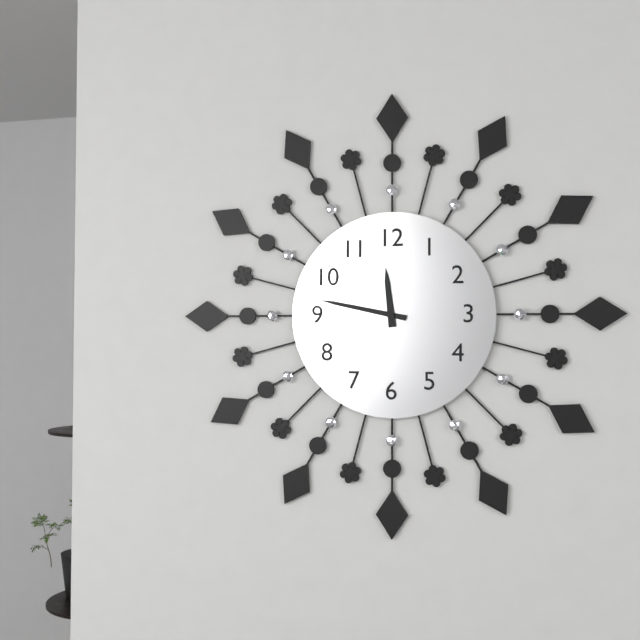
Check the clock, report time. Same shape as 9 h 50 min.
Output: 11 h 47 min
